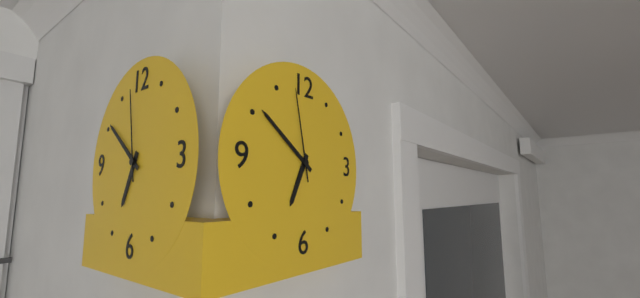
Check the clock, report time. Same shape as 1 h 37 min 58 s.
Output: 6 h 51 min 58 s
